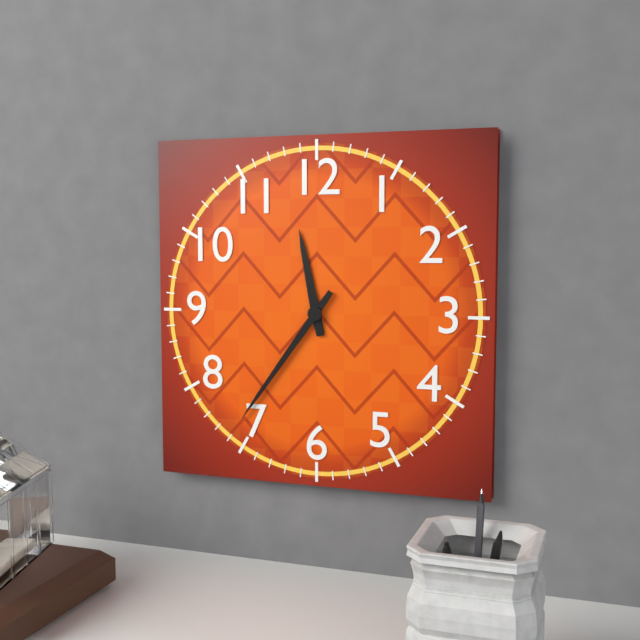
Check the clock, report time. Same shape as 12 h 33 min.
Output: 11 h 36 min
